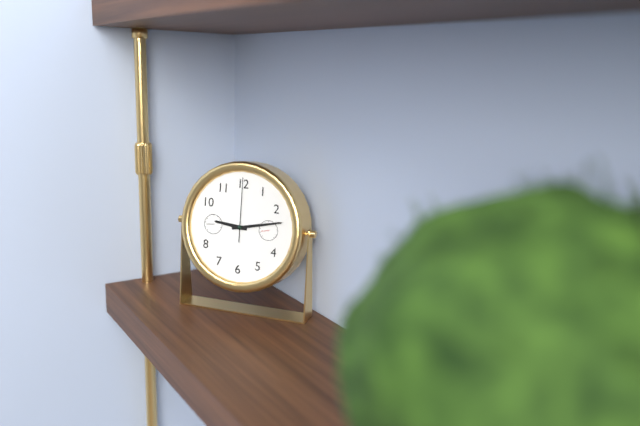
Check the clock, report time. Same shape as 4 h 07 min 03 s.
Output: 9 h 13 min 00 s
